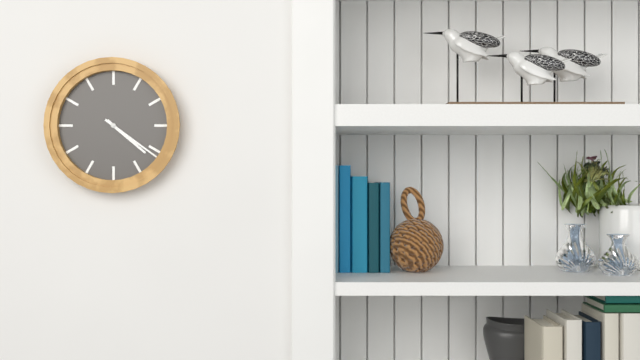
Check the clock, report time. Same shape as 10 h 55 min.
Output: 4 h 21 min
